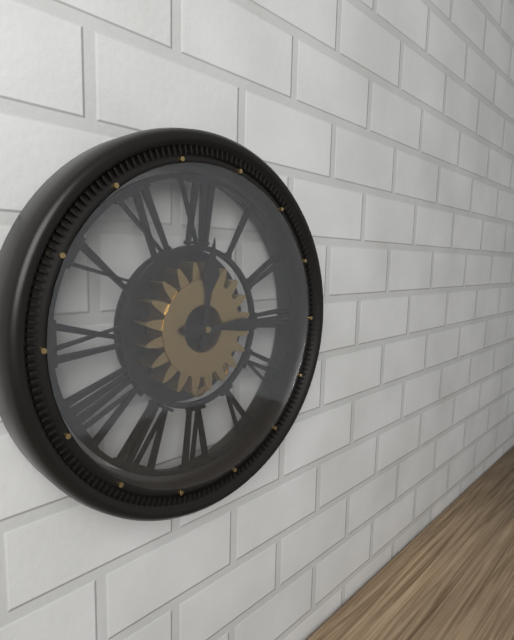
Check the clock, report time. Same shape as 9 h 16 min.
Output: 12 h 15 min
